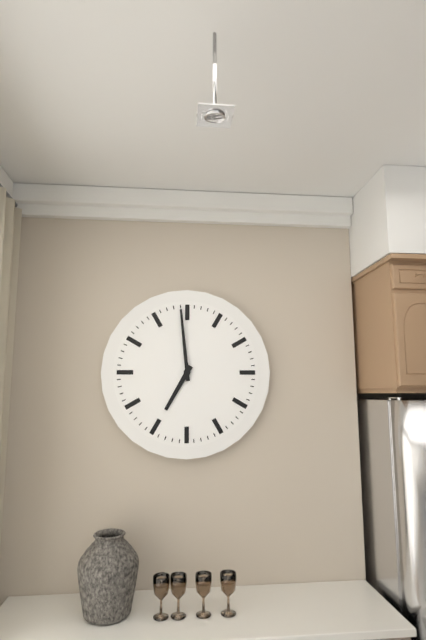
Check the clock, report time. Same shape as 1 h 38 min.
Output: 6 h 59 min
